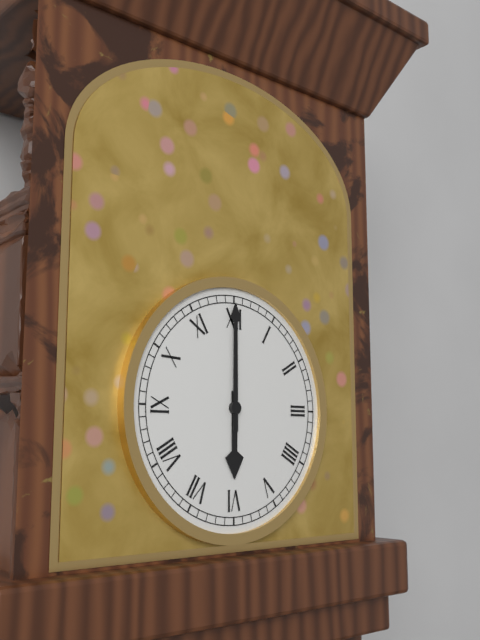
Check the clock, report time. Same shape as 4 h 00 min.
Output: 6 h 00 min
